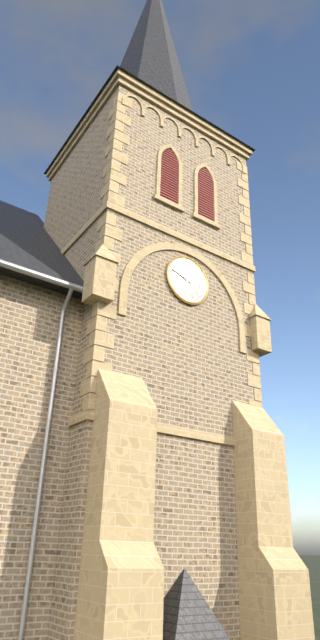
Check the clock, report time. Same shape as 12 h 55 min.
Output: 1 h 48 min
